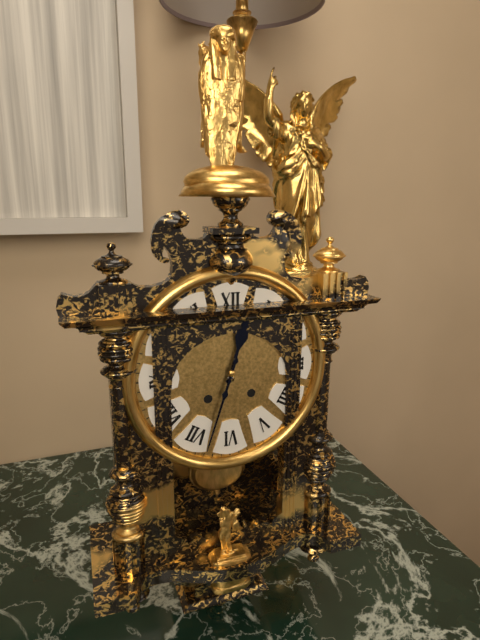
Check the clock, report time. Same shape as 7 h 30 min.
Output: 12 h 33 min
